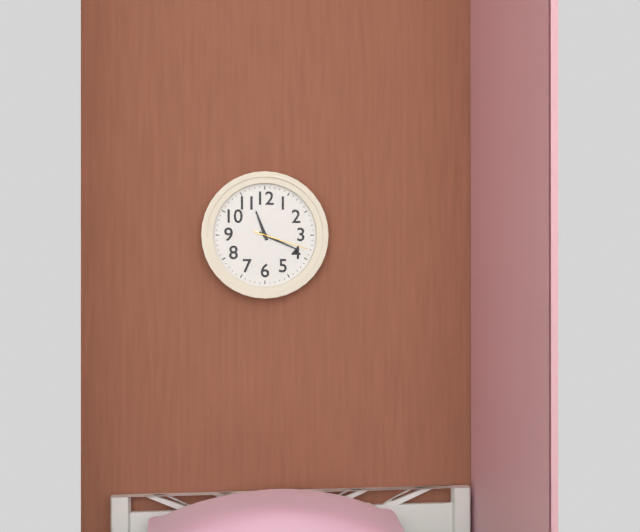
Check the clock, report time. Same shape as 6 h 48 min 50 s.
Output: 11 h 19 min 18 s
